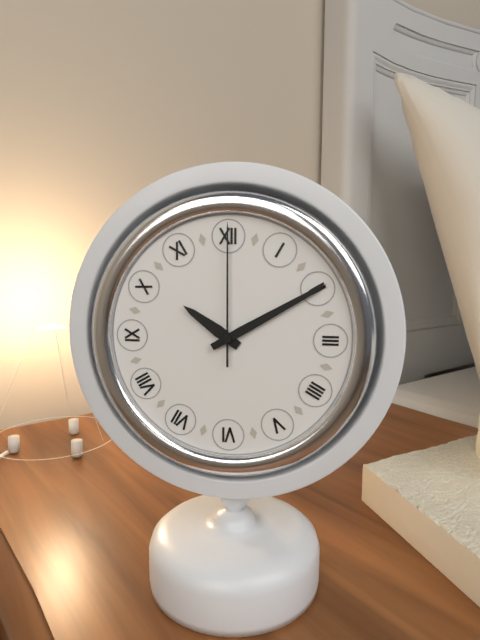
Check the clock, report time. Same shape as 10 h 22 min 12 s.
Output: 10 h 10 min 00 s
